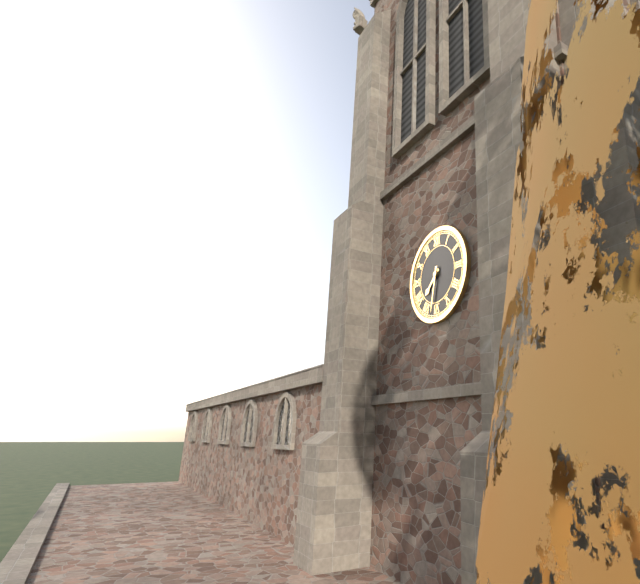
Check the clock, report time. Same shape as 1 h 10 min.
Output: 7 h 32 min
